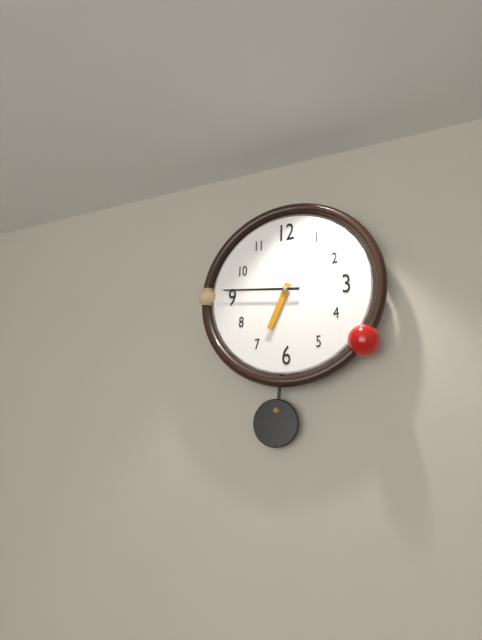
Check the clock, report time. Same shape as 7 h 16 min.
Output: 6 h 46 min
